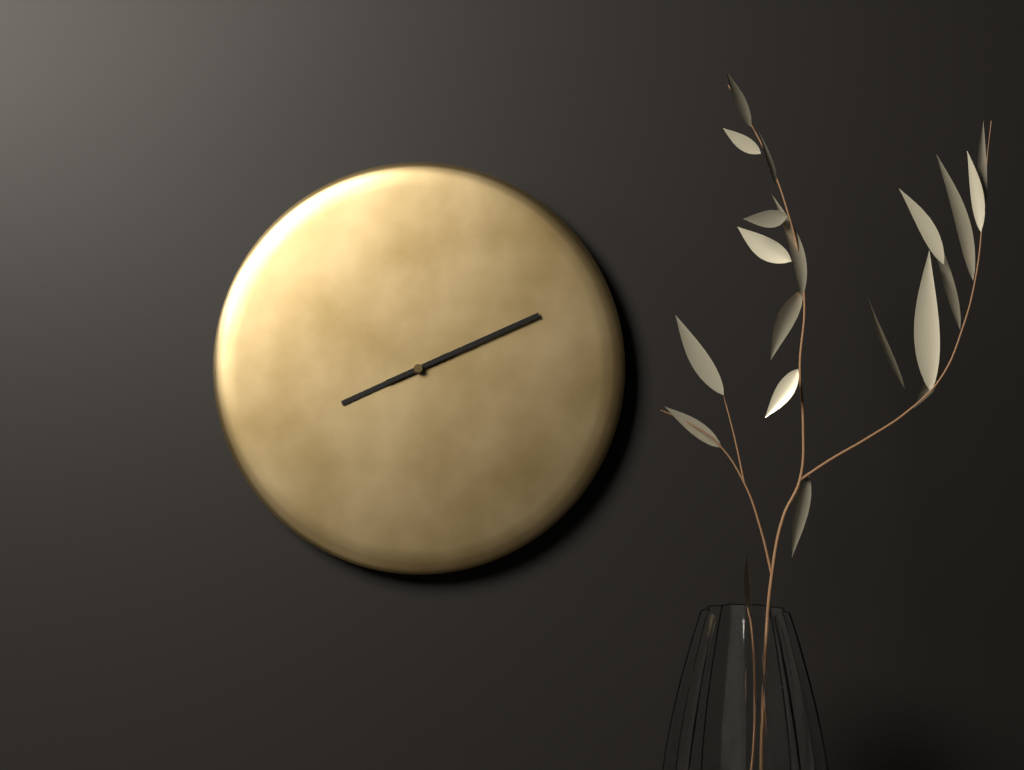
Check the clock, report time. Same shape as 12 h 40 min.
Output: 8 h 11 min
